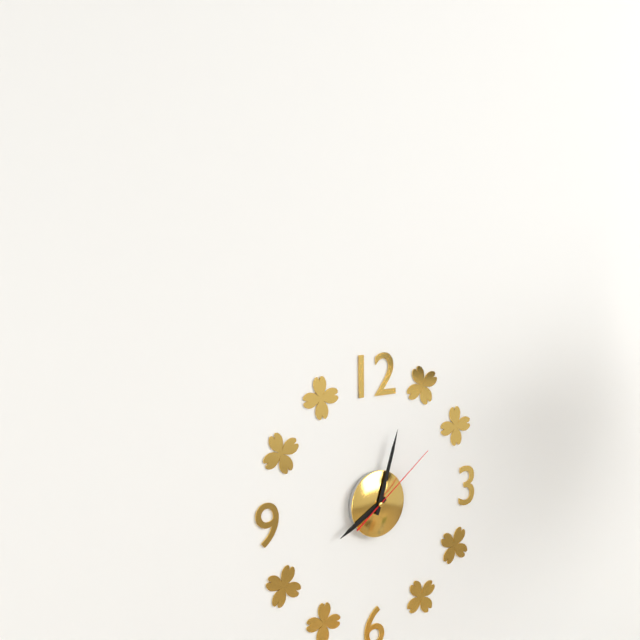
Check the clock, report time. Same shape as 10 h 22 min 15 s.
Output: 8 h 03 min 09 s
